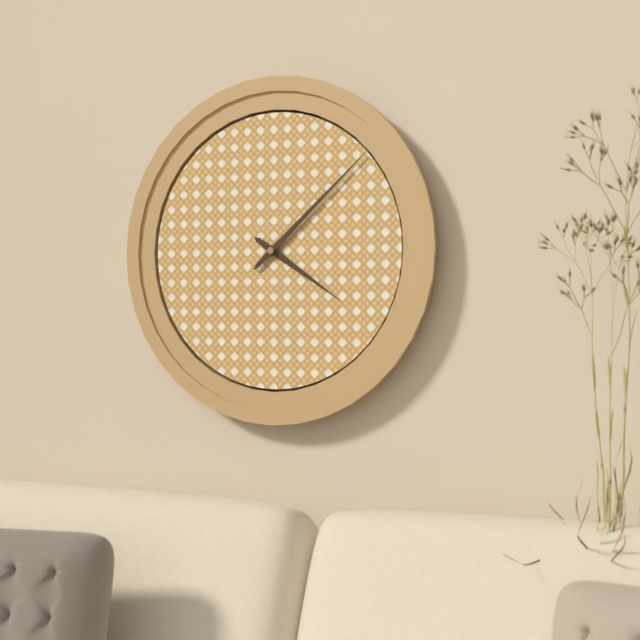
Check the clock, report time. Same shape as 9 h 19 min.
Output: 4 h 08 min
